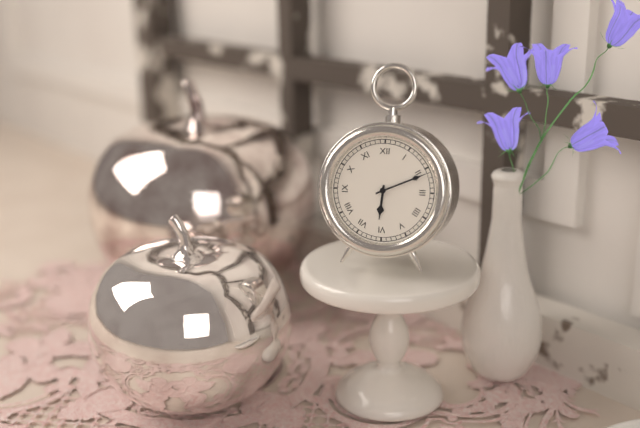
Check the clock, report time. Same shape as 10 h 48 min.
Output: 6 h 11 min
